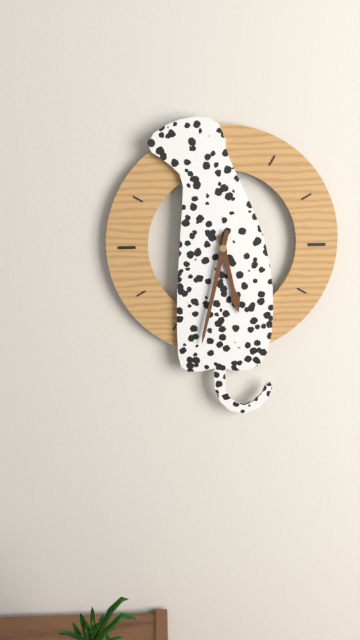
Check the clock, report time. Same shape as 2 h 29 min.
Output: 5 h 32 min
